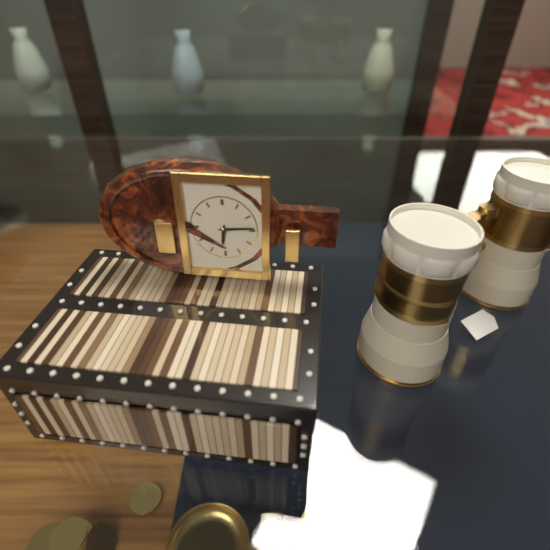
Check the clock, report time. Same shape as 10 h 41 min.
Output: 6 h 14 min
